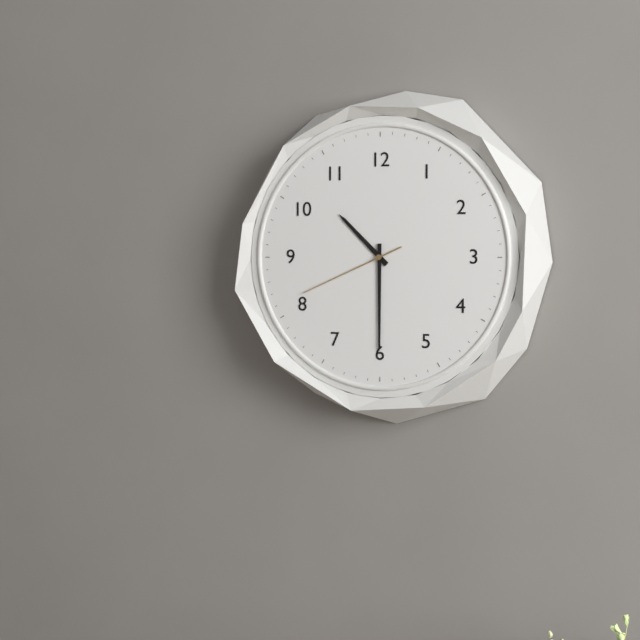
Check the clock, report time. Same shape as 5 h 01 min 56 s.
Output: 10 h 30 min 41 s
